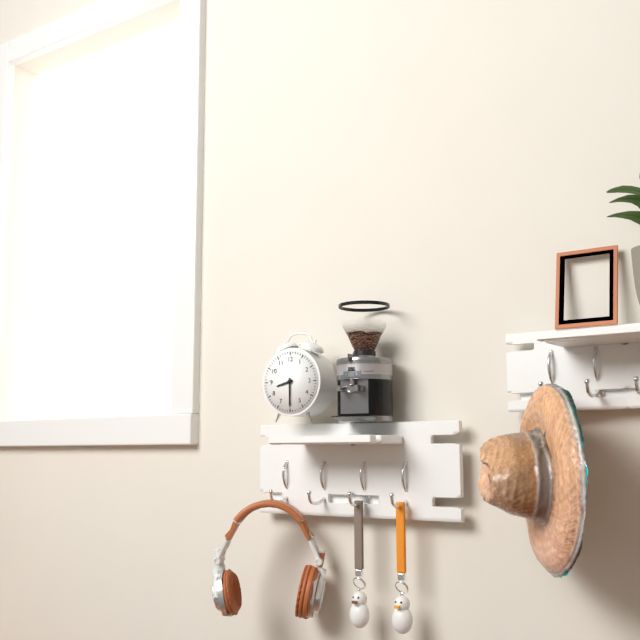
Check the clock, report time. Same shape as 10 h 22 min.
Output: 8 h 30 min
